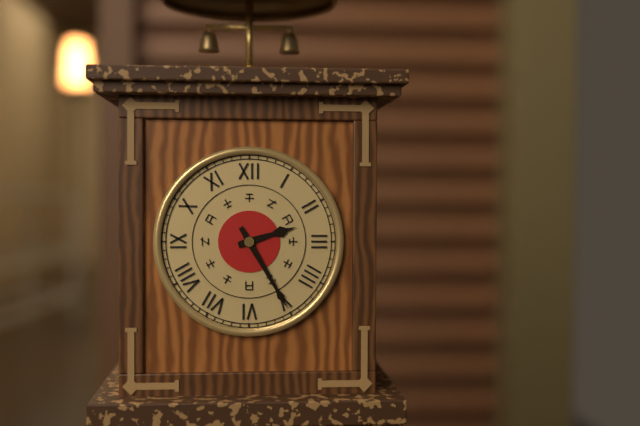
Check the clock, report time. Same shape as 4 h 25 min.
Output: 2 h 25 min
